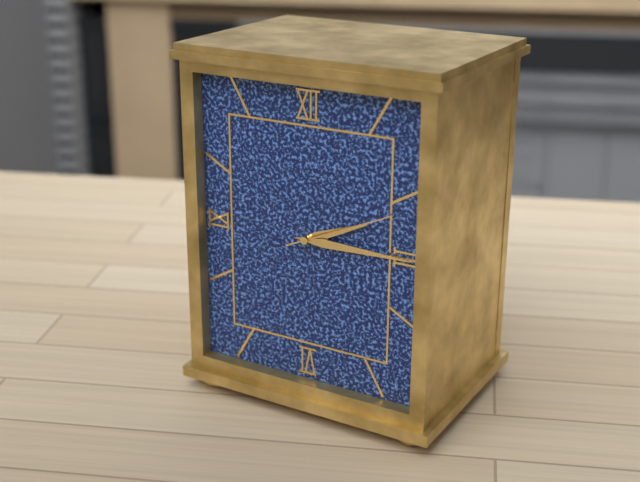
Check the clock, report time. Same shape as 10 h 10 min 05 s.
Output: 2 h 15 min 11 s
